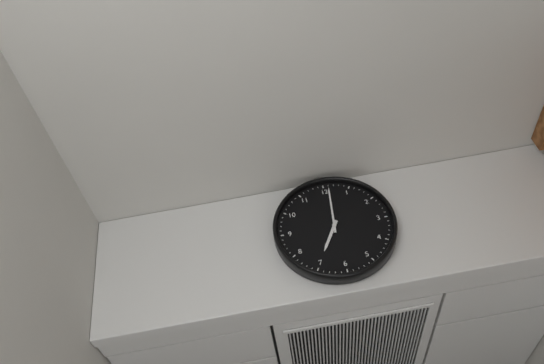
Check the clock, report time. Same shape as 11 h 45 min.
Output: 7 h 01 min
